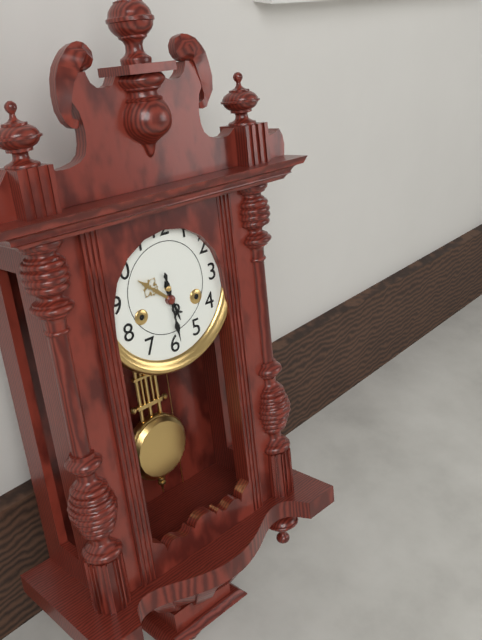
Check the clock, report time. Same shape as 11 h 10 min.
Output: 5 h 29 min
